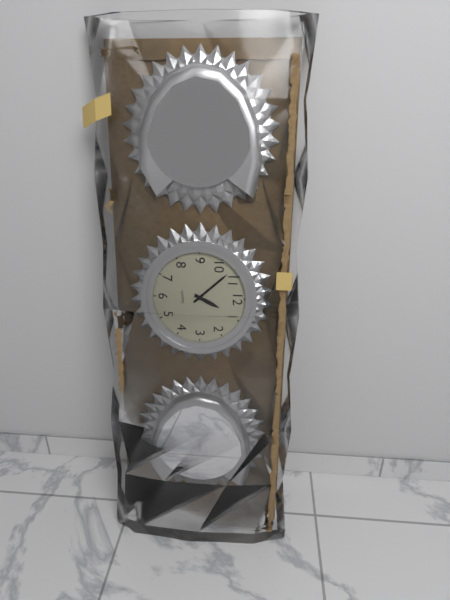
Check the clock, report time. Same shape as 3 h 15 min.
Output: 12 h 53 min
